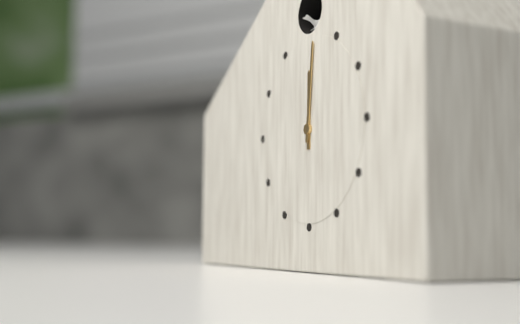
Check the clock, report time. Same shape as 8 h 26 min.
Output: 12 h 01 min
